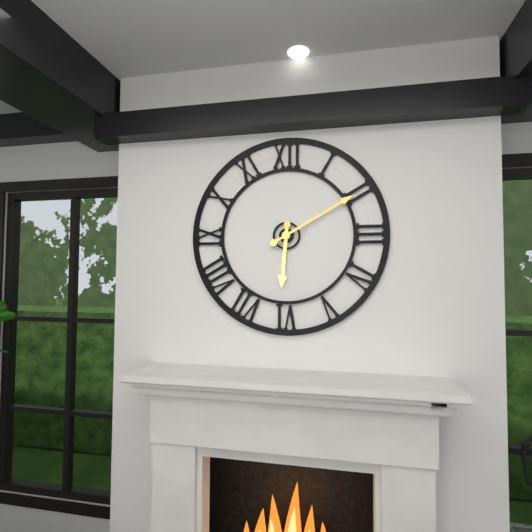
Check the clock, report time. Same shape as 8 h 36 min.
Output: 6 h 10 min
